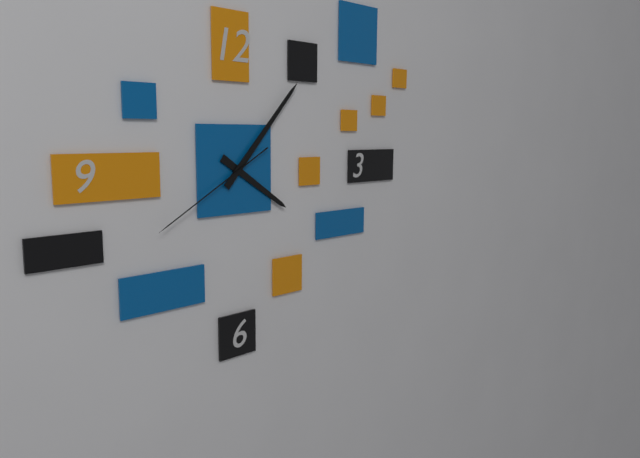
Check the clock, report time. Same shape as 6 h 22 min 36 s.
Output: 4 h 07 min 40 s
